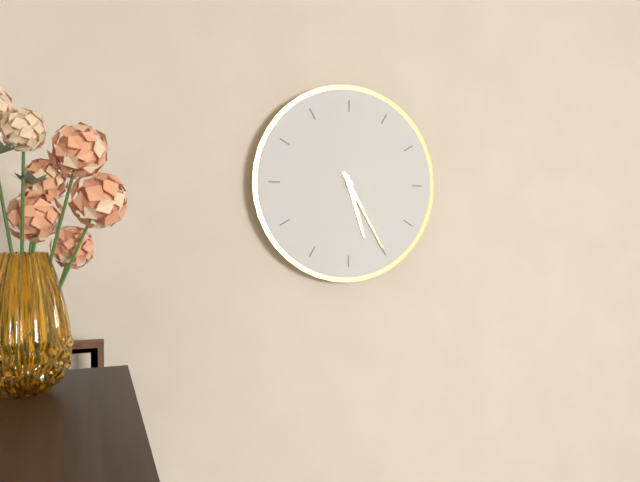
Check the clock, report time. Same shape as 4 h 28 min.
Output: 5 h 25 min
